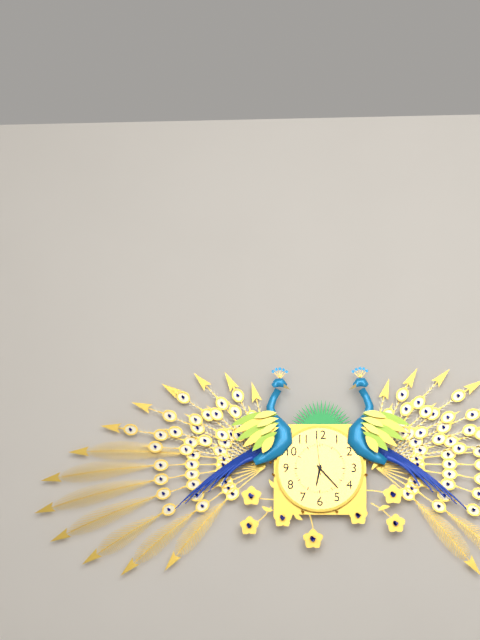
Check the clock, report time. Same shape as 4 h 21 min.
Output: 6 h 23 min
